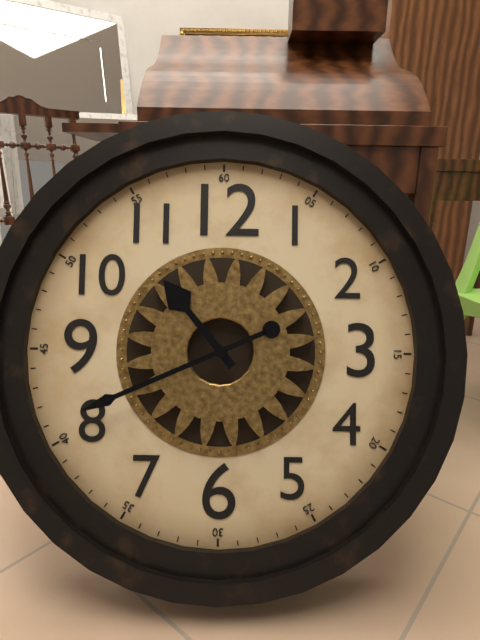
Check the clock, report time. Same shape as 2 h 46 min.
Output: 10 h 41 min
